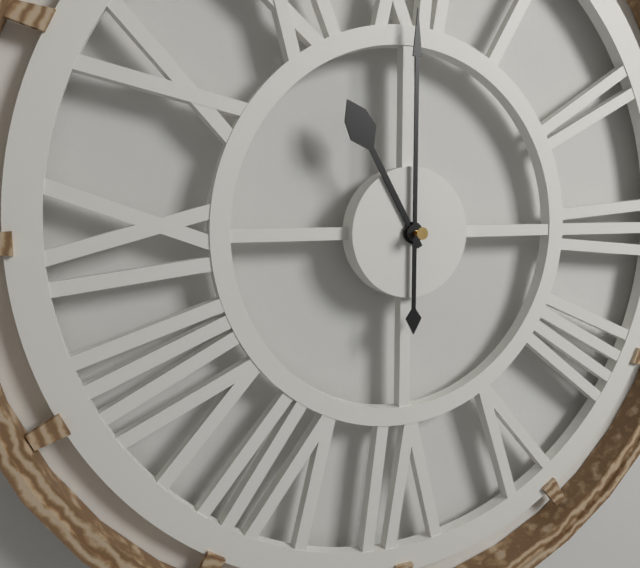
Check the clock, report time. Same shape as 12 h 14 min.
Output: 11 h 00 min
